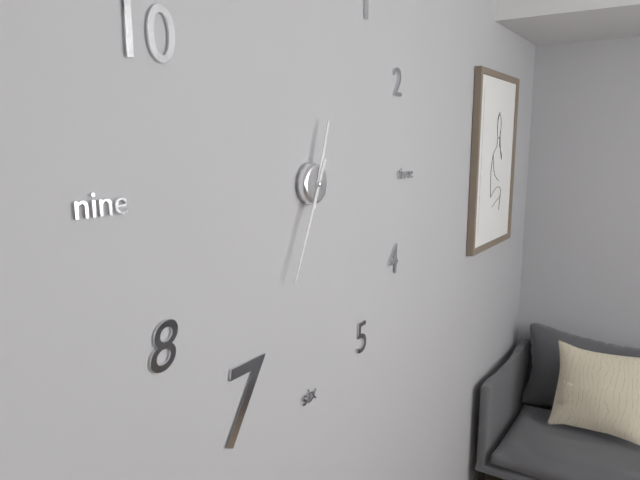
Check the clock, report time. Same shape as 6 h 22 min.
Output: 12 h 34 min
